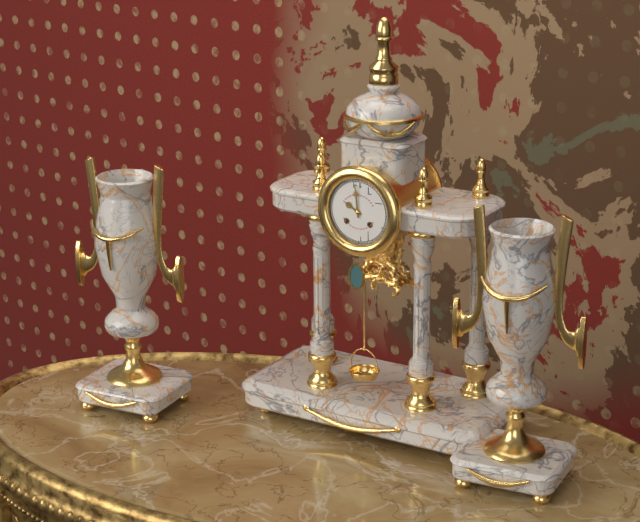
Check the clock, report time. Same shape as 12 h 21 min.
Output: 9 h 59 min
